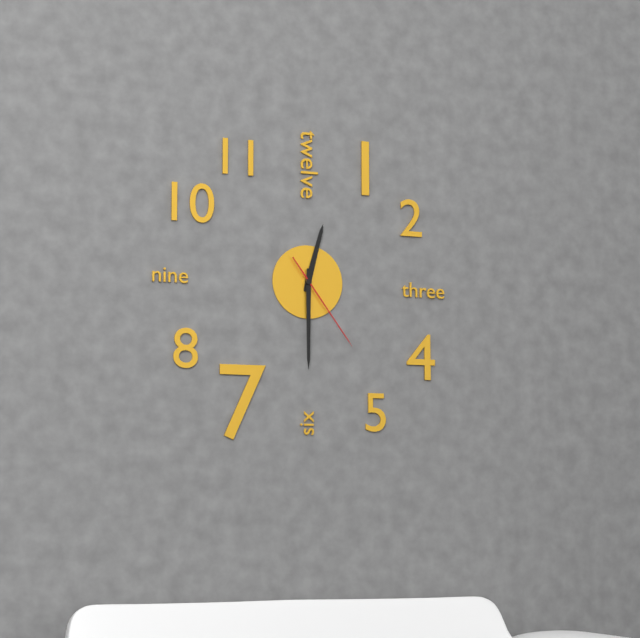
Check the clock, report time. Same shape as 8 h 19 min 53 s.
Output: 12 h 30 min 24 s
